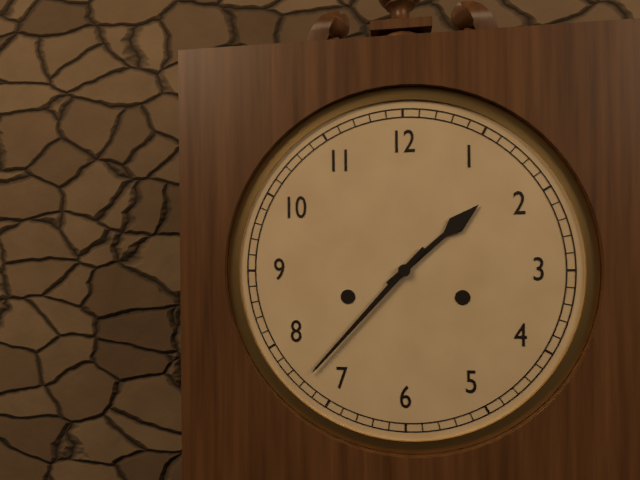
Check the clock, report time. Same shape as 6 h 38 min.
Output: 1 h 37 min
